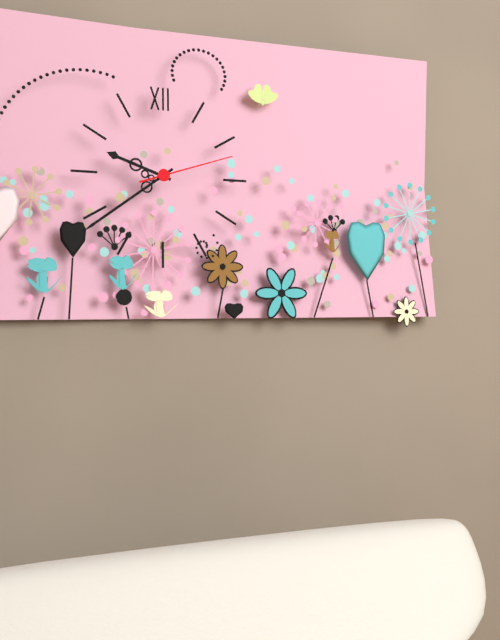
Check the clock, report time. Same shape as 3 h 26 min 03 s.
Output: 9 h 39 min 12 s
